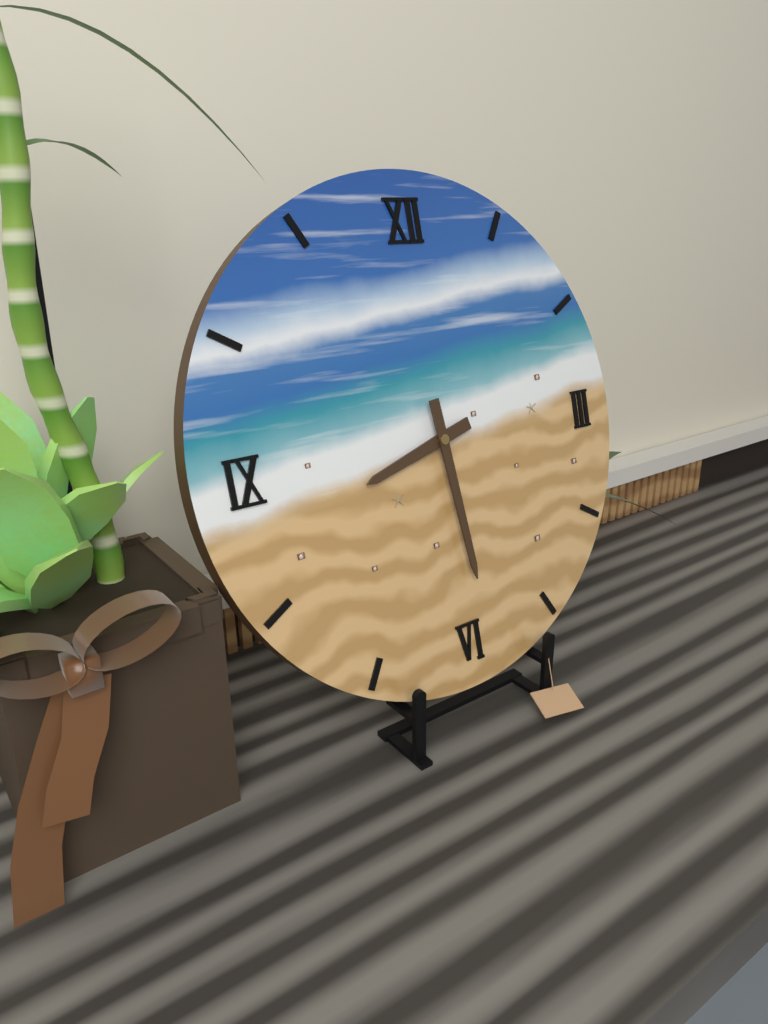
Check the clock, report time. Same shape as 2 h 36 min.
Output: 8 h 29 min
